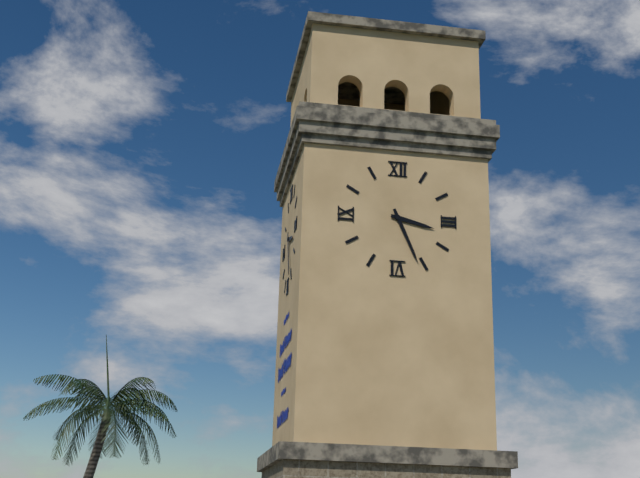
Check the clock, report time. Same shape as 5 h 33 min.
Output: 3 h 26 min
